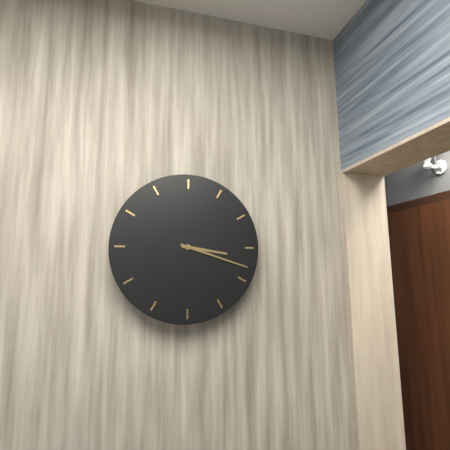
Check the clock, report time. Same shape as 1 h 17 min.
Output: 3 h 18 min
